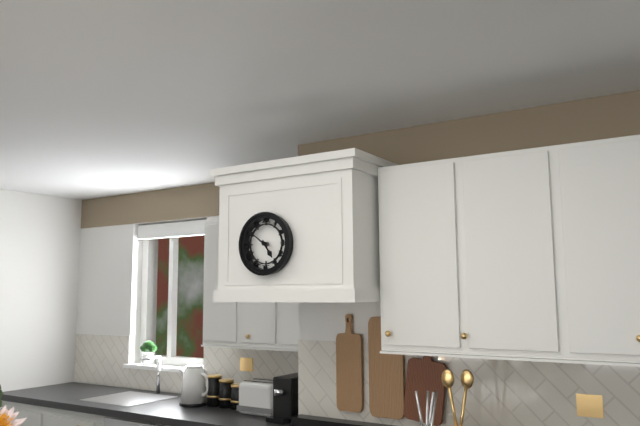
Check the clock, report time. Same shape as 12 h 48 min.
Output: 4 h 51 min
